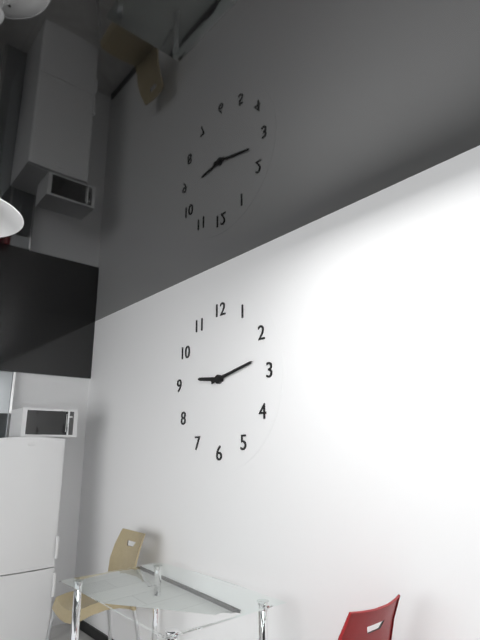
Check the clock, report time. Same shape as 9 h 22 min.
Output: 9 h 13 min
